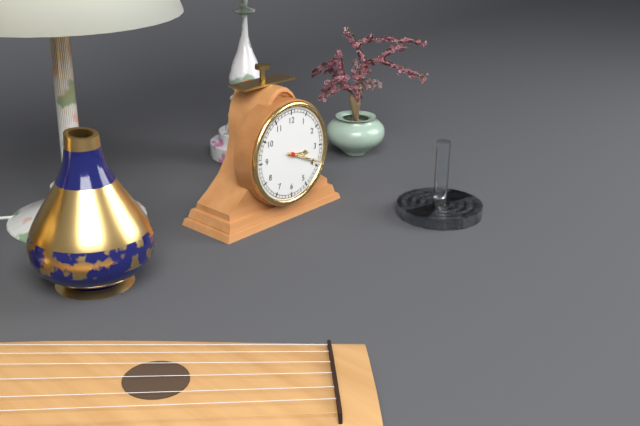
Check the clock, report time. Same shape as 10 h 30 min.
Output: 3 h 19 min
